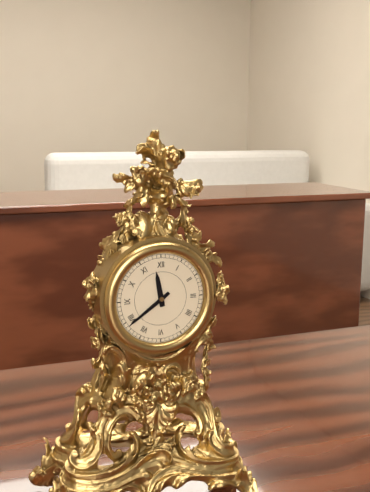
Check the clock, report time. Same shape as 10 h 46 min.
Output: 11 h 39 min
